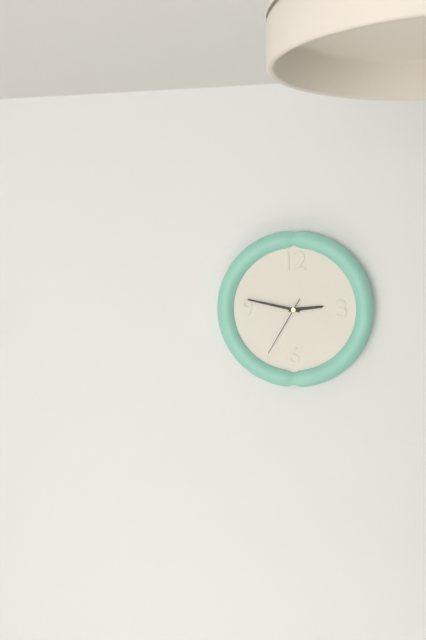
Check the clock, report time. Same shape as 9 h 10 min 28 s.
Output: 2 h 47 min 35 s
